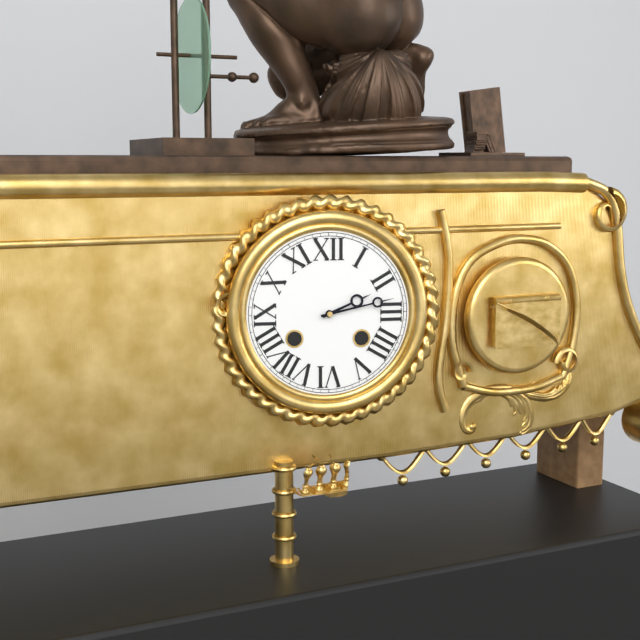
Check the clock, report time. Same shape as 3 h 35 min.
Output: 2 h 13 min
